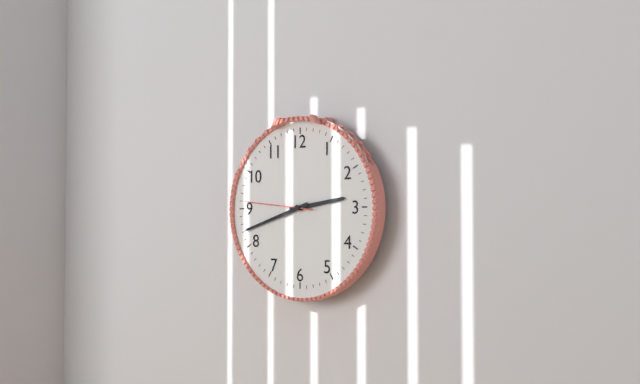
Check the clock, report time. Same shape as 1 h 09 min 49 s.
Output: 2 h 42 min 46 s
